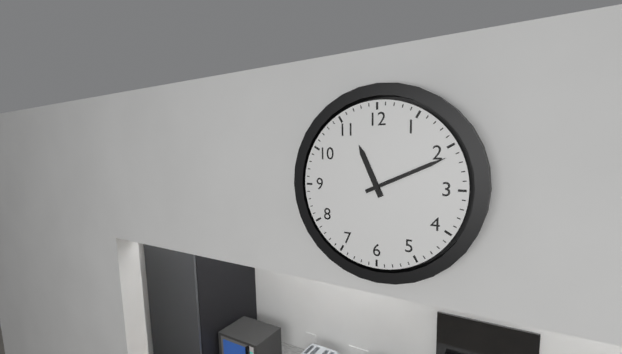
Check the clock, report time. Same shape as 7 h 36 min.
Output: 11 h 11 min
